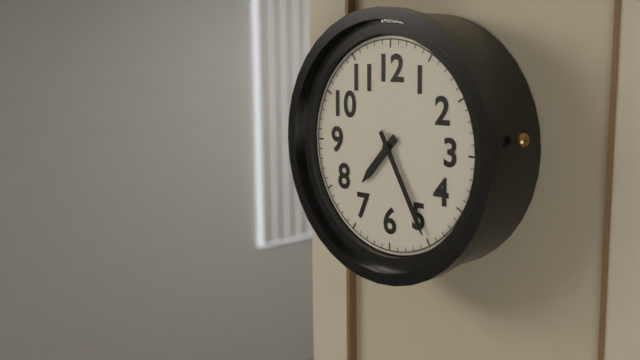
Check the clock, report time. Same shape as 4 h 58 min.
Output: 7 h 25 min
